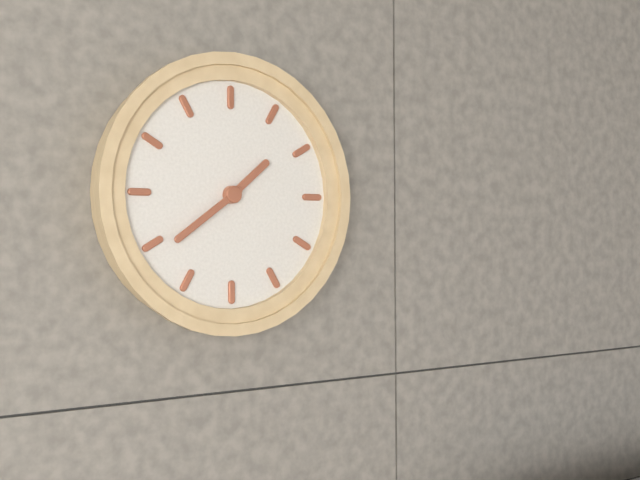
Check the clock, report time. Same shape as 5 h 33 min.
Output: 1 h 39 min
